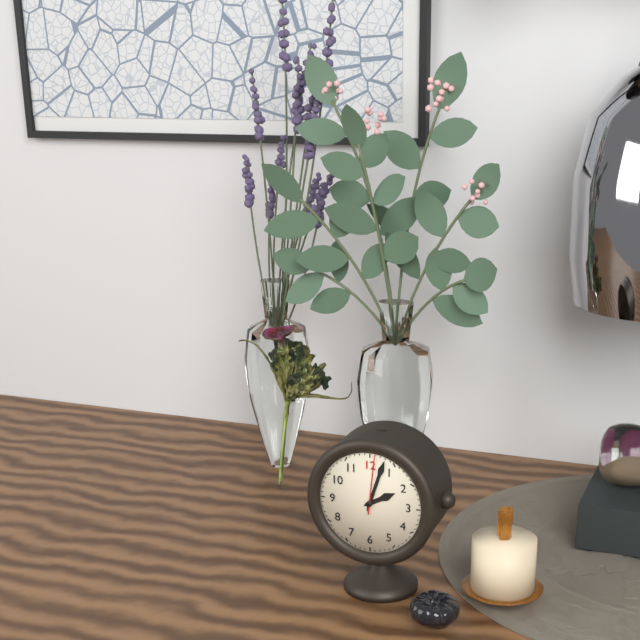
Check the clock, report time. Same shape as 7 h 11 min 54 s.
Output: 2 h 03 min 01 s
